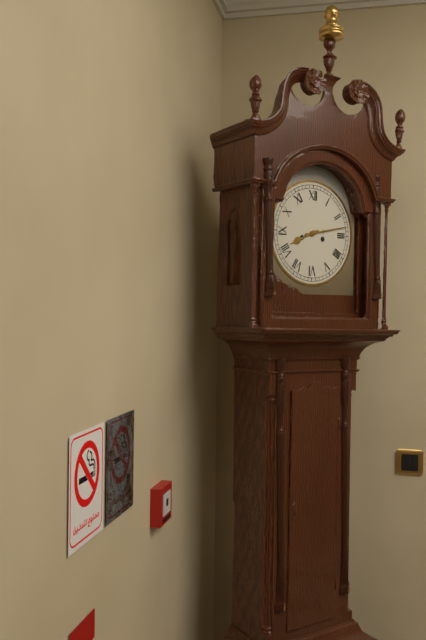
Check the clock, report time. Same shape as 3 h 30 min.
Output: 8 h 13 min
